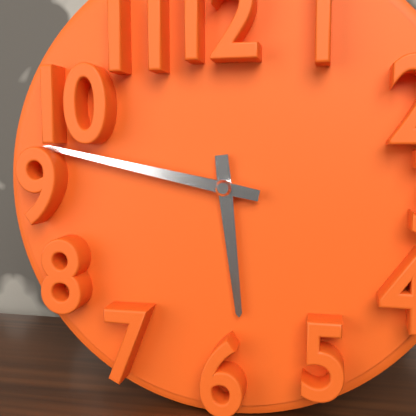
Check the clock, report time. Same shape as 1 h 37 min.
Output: 5 h 47 min
